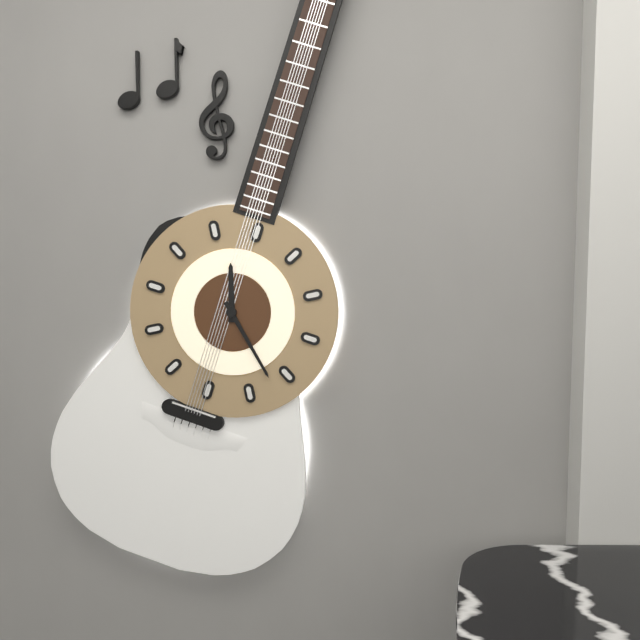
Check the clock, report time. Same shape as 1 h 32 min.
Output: 11 h 22 min
